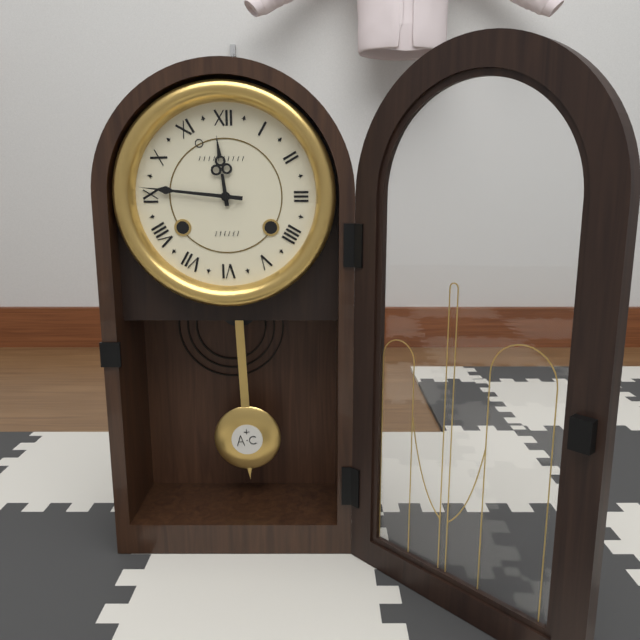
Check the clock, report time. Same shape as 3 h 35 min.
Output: 11 h 46 min
